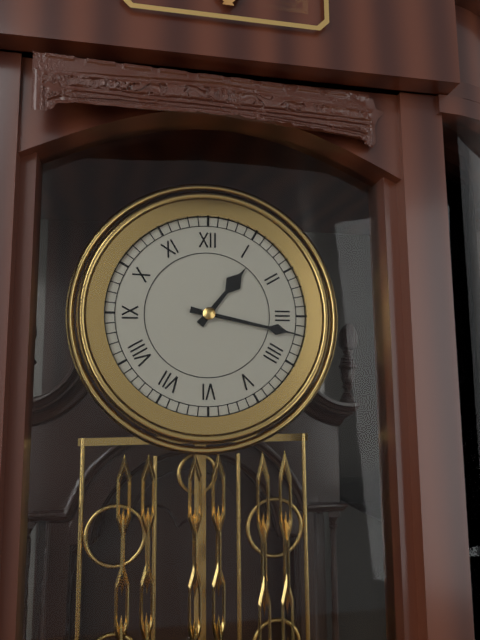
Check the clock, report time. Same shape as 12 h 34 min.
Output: 1 h 17 min
